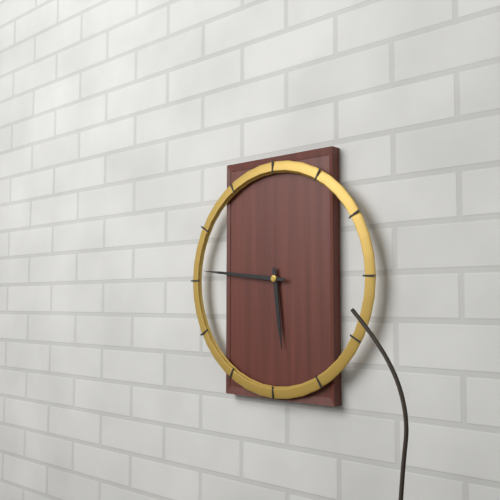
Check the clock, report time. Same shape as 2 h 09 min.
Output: 5 h 46 min
